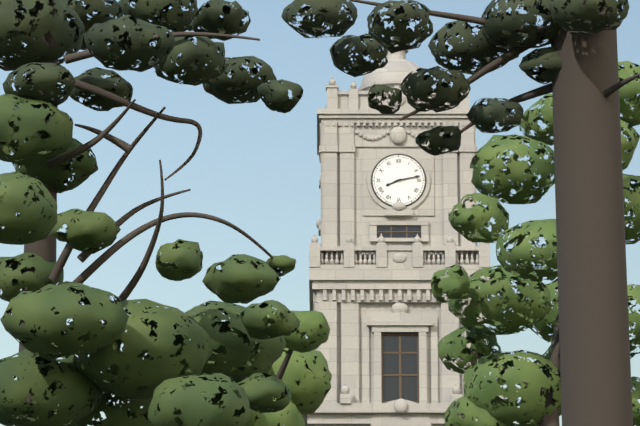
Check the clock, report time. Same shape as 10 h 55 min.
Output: 8 h 13 min
